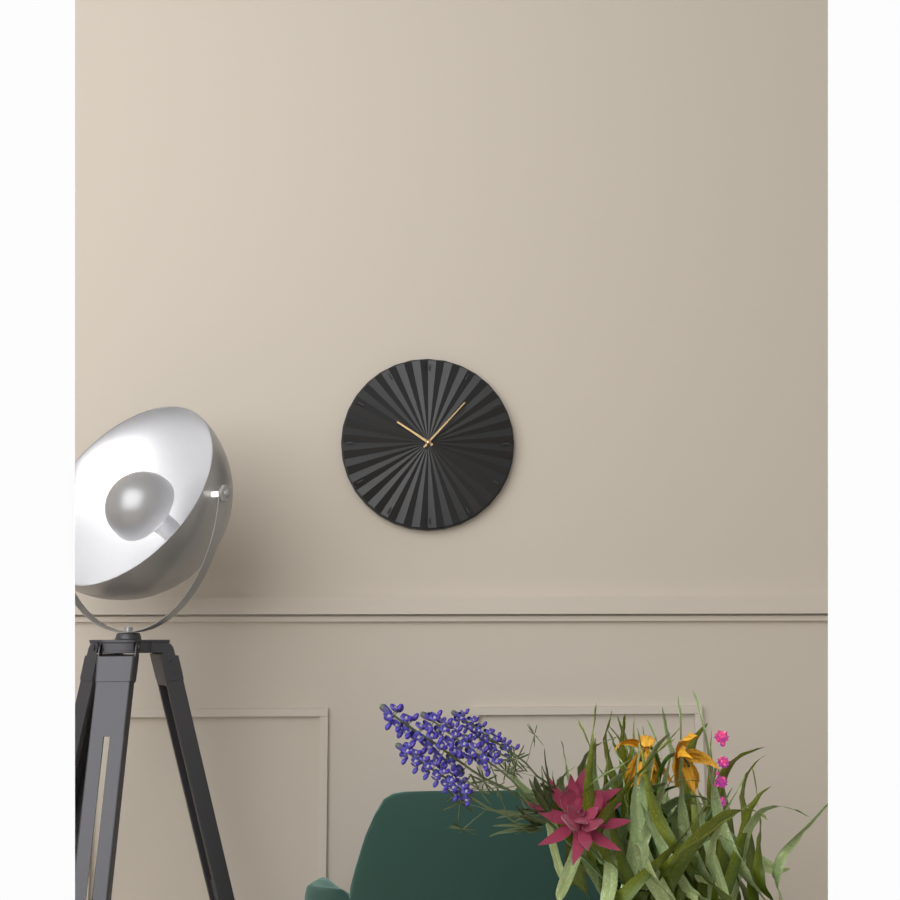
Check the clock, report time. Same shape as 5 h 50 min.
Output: 10 h 07 min
